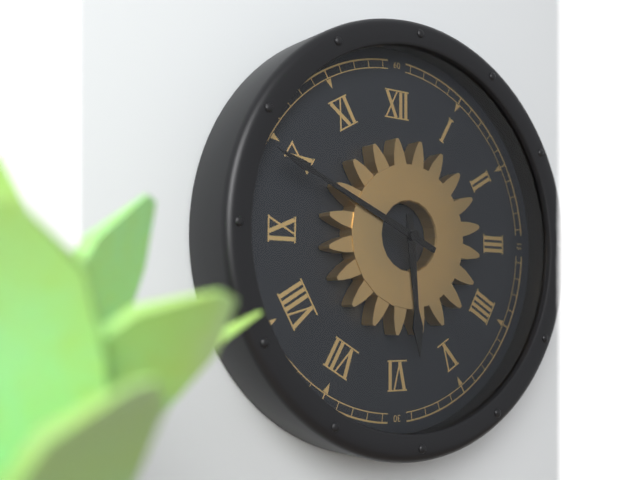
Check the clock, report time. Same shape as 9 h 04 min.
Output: 5 h 49 min
